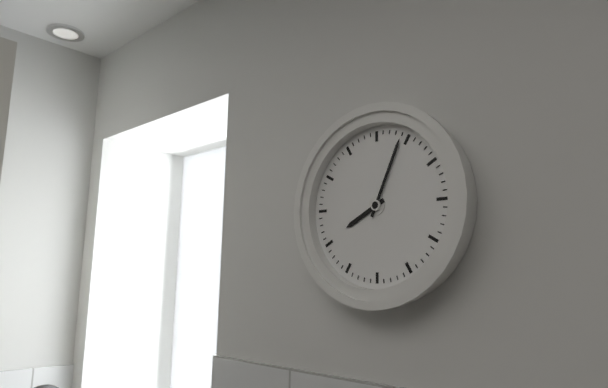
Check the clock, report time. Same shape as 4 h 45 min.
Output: 8 h 04 min
